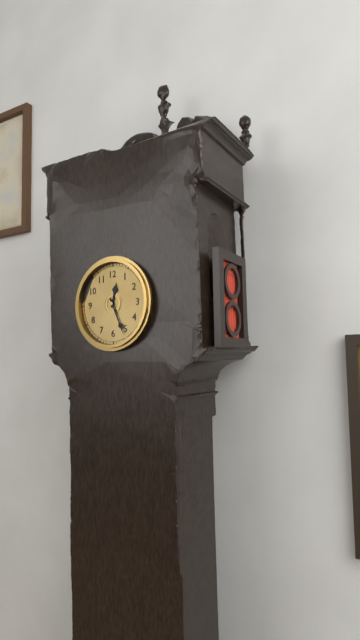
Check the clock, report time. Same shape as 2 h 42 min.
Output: 12 h 26 min
